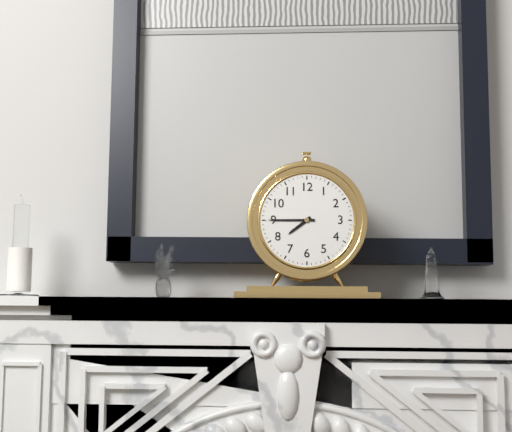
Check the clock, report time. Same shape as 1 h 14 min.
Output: 7 h 45 min
